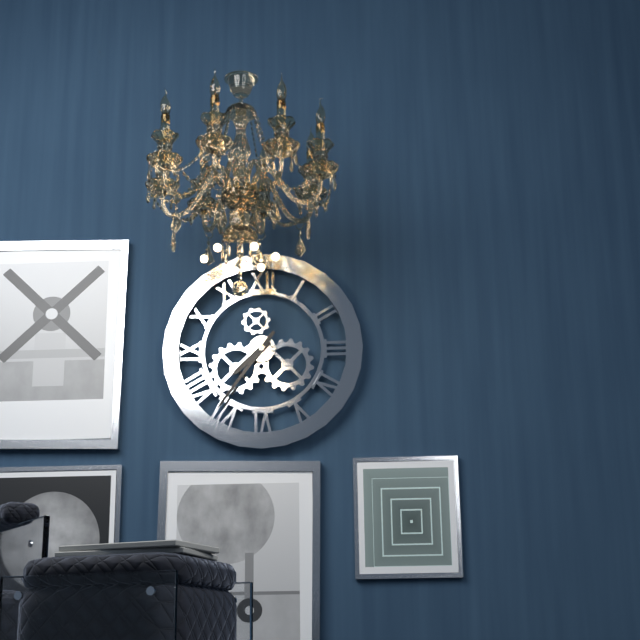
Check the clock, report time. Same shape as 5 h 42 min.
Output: 7 h 36 min
